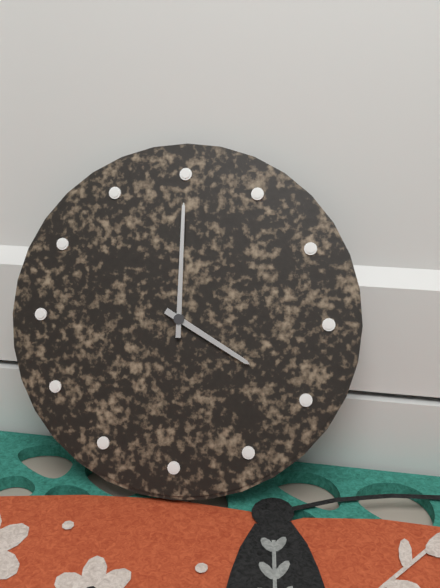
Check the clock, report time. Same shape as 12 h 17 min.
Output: 4 h 00 min
